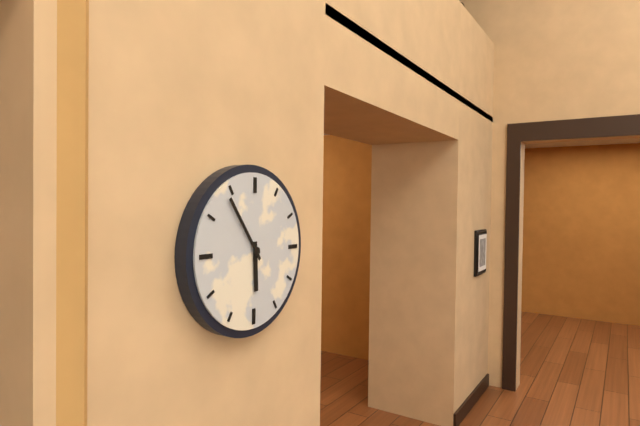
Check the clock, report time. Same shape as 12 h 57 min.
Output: 5 h 54 min
